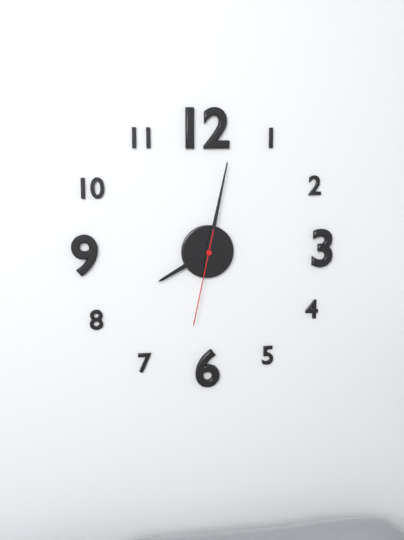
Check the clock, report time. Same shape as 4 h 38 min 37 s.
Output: 8 h 02 min 32 s
